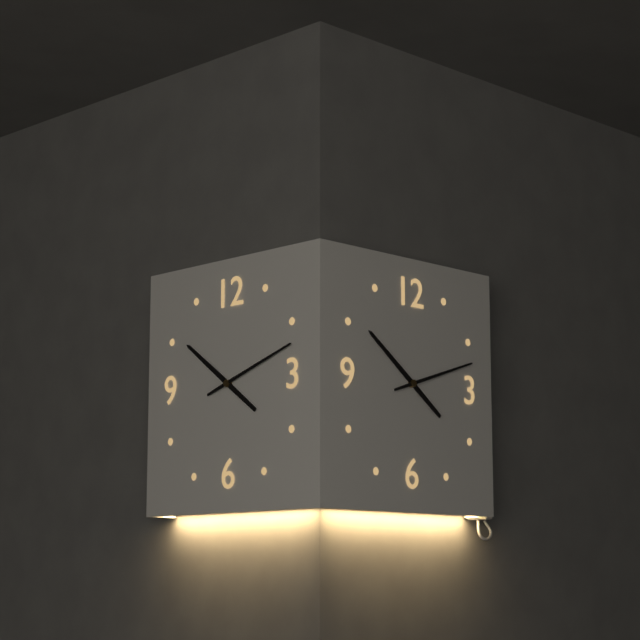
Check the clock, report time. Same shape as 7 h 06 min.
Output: 10 h 12 min
